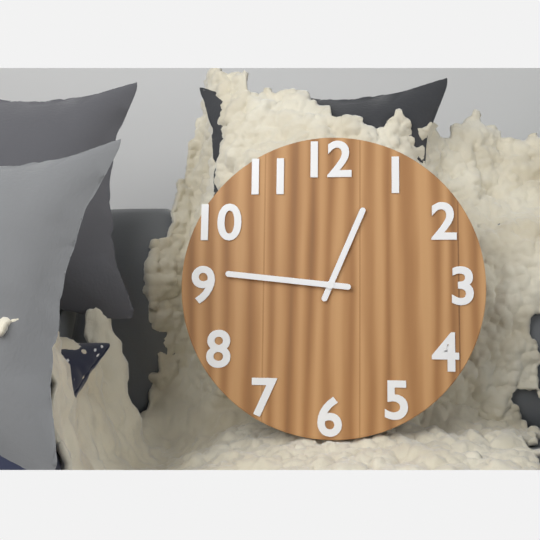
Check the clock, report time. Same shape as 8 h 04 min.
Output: 12 h 46 min
